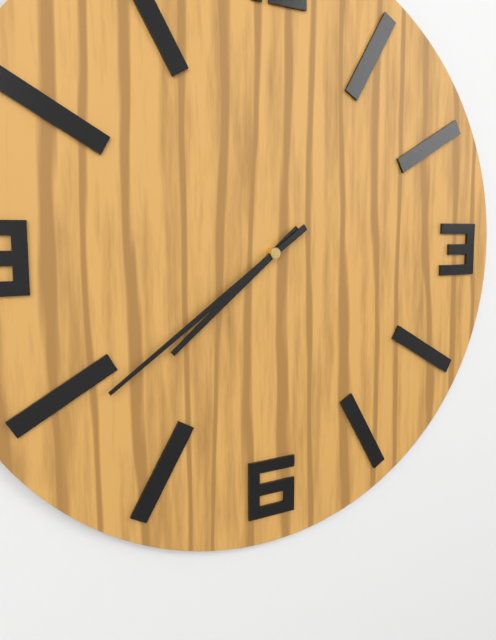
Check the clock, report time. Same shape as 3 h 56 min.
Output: 7 h 39 min
